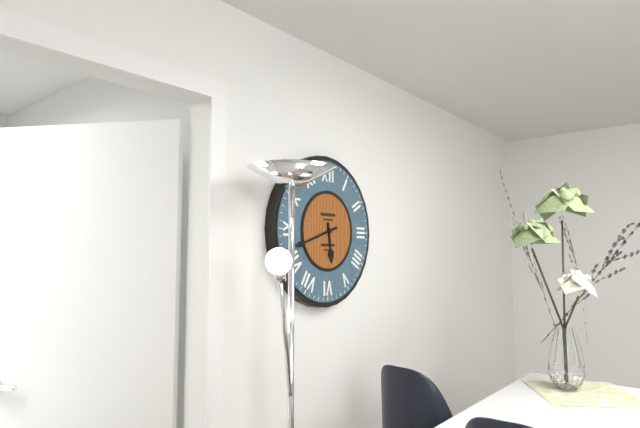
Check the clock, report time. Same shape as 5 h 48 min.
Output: 5 h 42 min
